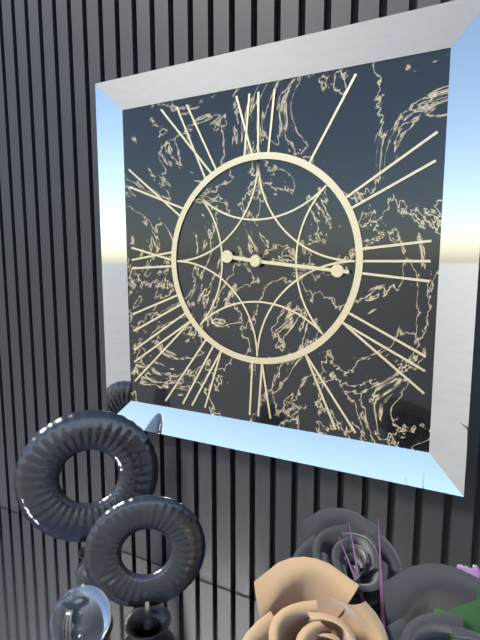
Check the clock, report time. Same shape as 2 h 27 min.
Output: 9 h 16 min
